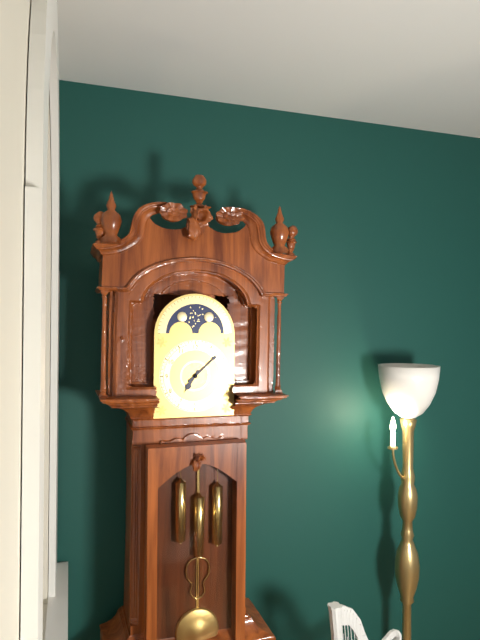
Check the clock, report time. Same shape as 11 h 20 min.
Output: 7 h 08 min
